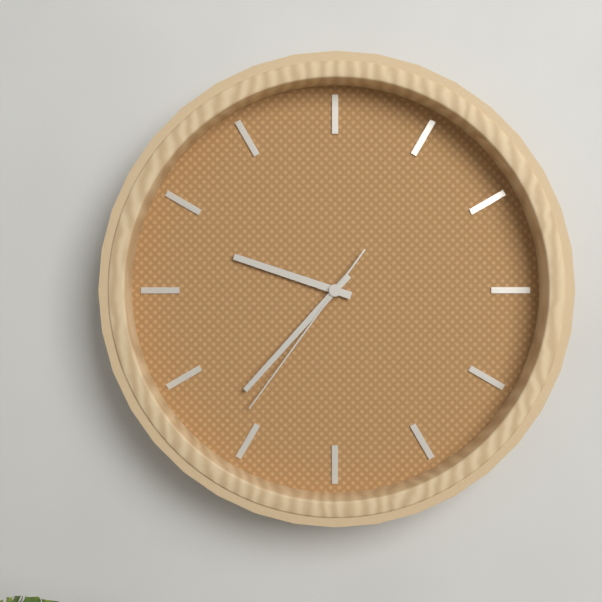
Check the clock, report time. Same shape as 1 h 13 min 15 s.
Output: 9 h 37 min 36 s
